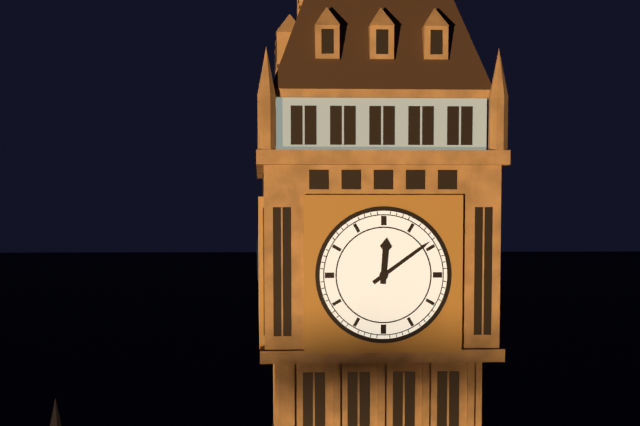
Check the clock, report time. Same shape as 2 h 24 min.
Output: 12 h 09 min
